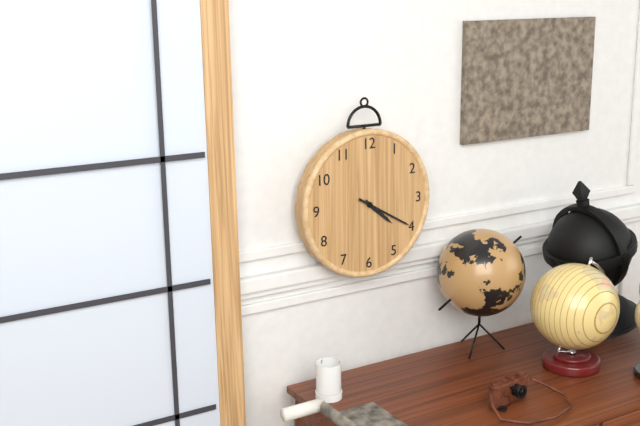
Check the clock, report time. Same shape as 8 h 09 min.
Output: 4 h 20 min
